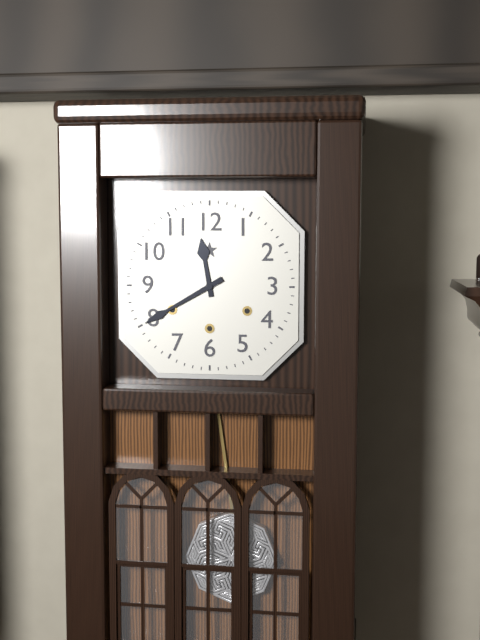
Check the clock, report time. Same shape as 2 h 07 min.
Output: 11 h 40 min
